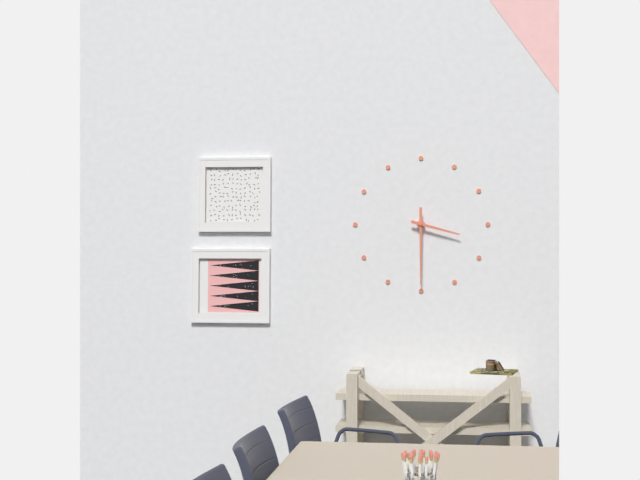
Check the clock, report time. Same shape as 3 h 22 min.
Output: 3 h 30 min
